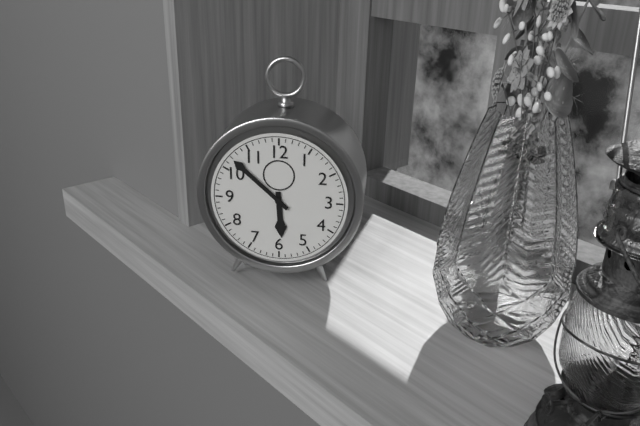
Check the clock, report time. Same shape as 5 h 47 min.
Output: 5 h 52 min
